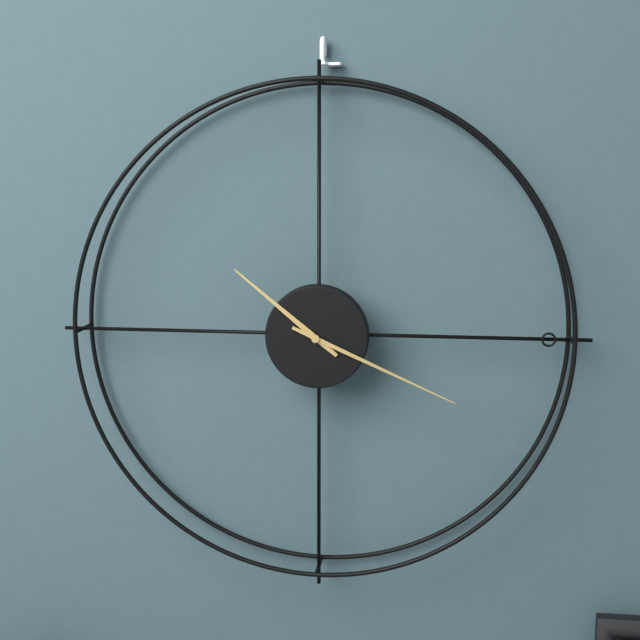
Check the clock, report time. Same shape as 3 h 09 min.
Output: 10 h 19 min
